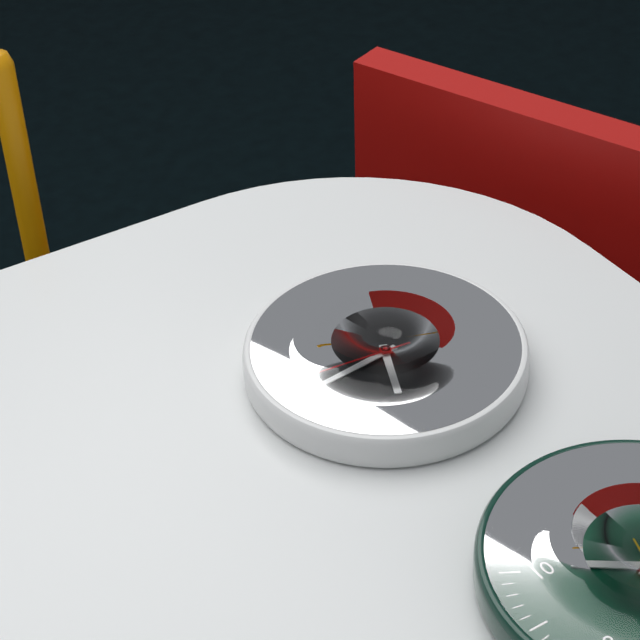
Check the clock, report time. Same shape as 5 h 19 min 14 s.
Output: 6 h 44 min 46 s
